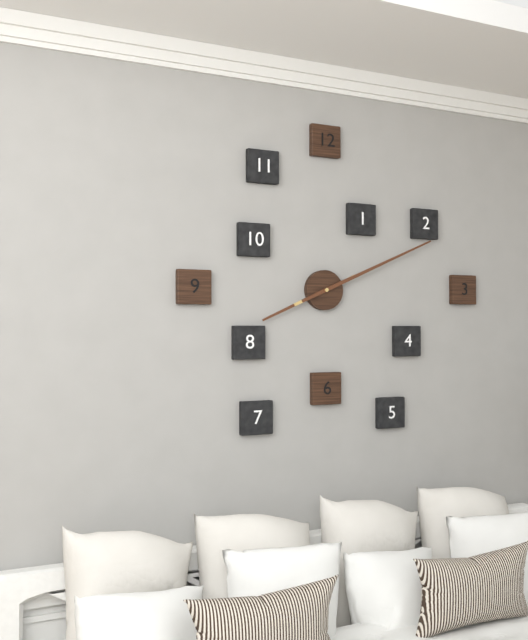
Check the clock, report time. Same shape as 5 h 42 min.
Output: 8 h 11 min
